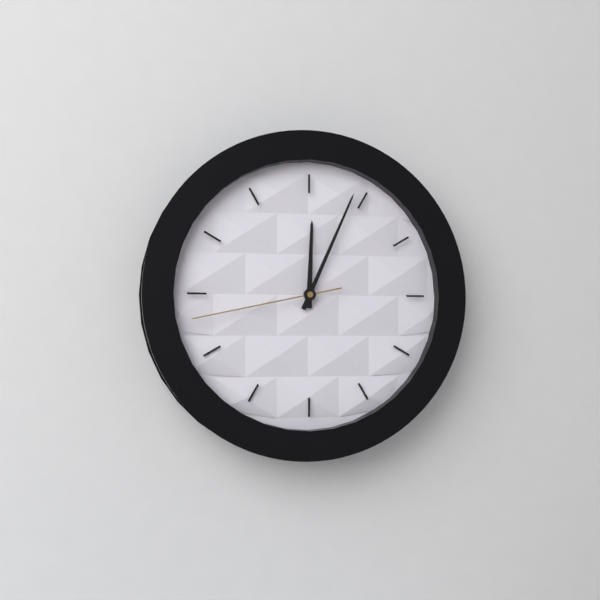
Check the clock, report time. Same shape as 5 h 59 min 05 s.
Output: 12 h 04 min 43 s
